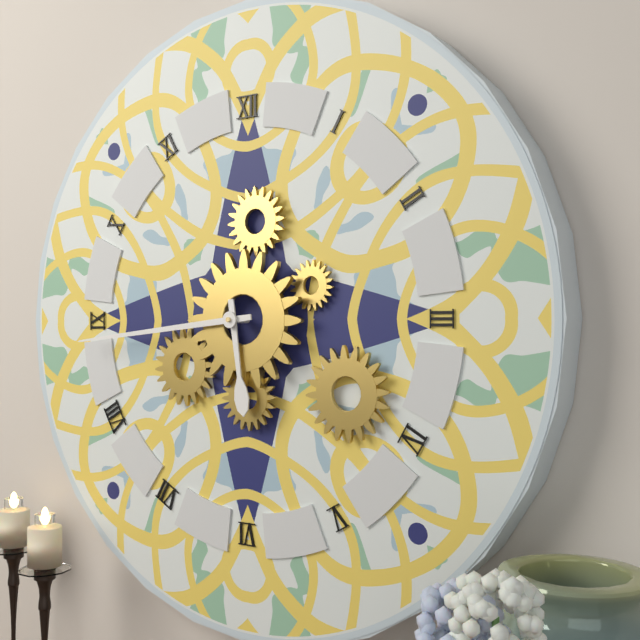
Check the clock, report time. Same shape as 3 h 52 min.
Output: 5 h 44 min
